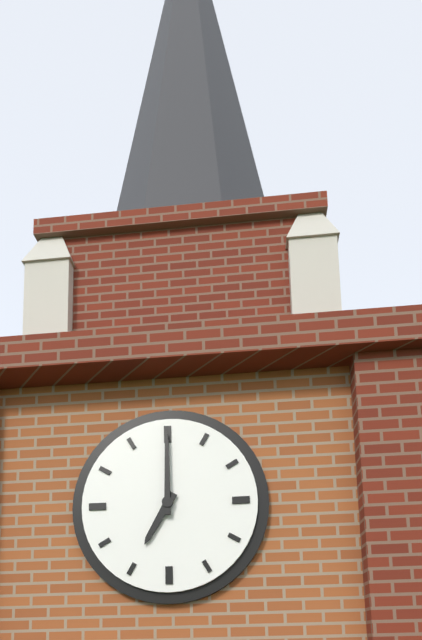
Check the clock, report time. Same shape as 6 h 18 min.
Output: 7 h 00 min
